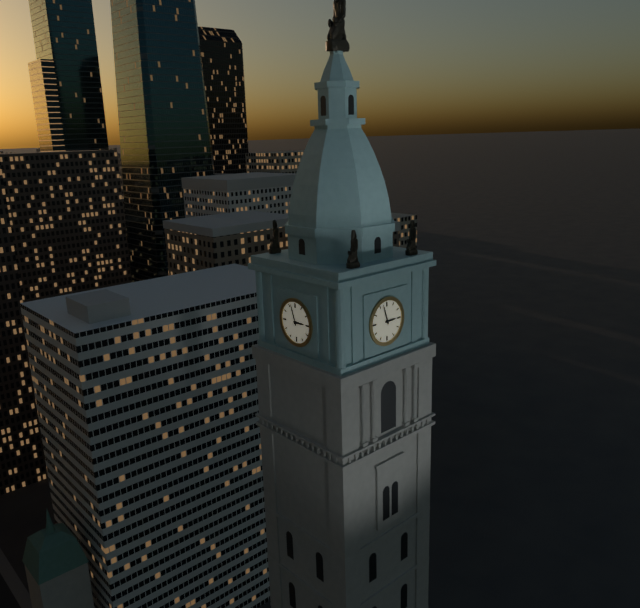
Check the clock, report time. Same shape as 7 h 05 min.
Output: 2 h 57 min
